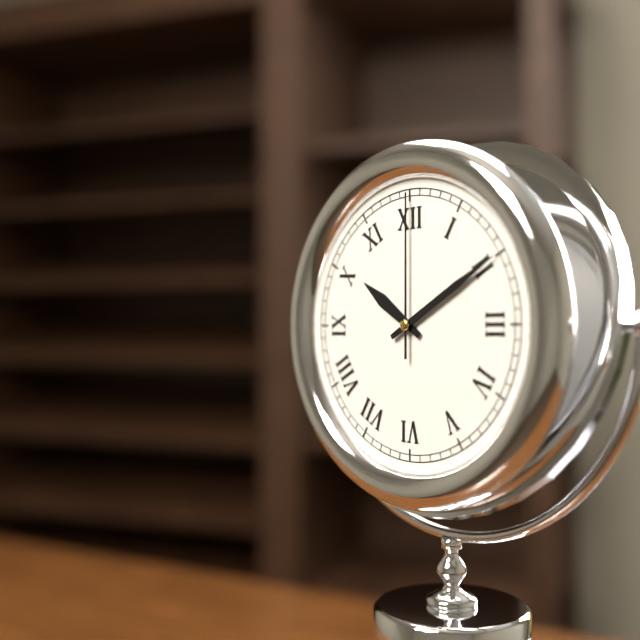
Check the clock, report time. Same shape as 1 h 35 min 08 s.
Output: 10 h 10 min 00 s
